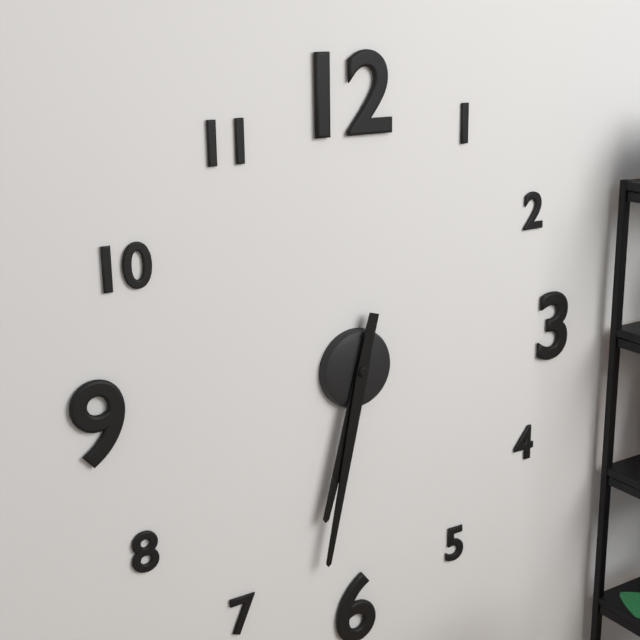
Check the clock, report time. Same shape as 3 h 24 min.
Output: 6 h 32 min
